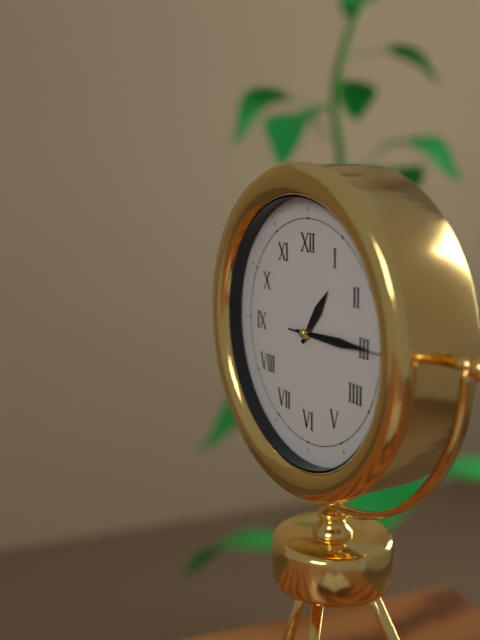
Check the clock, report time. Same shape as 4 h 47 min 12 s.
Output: 1 h 15 min 15 s
